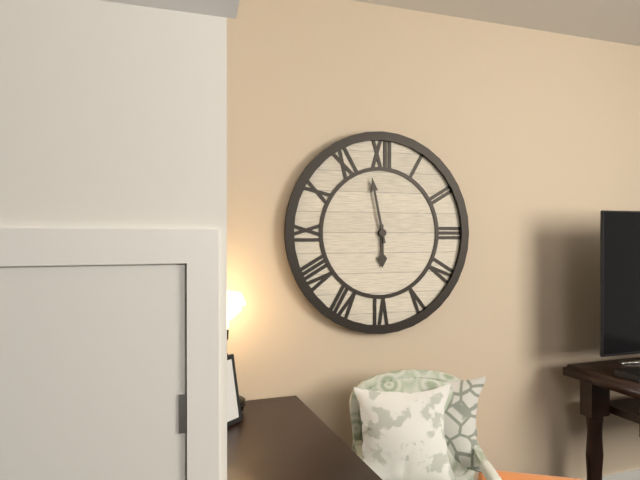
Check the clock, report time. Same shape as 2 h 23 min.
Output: 5 h 58 min
